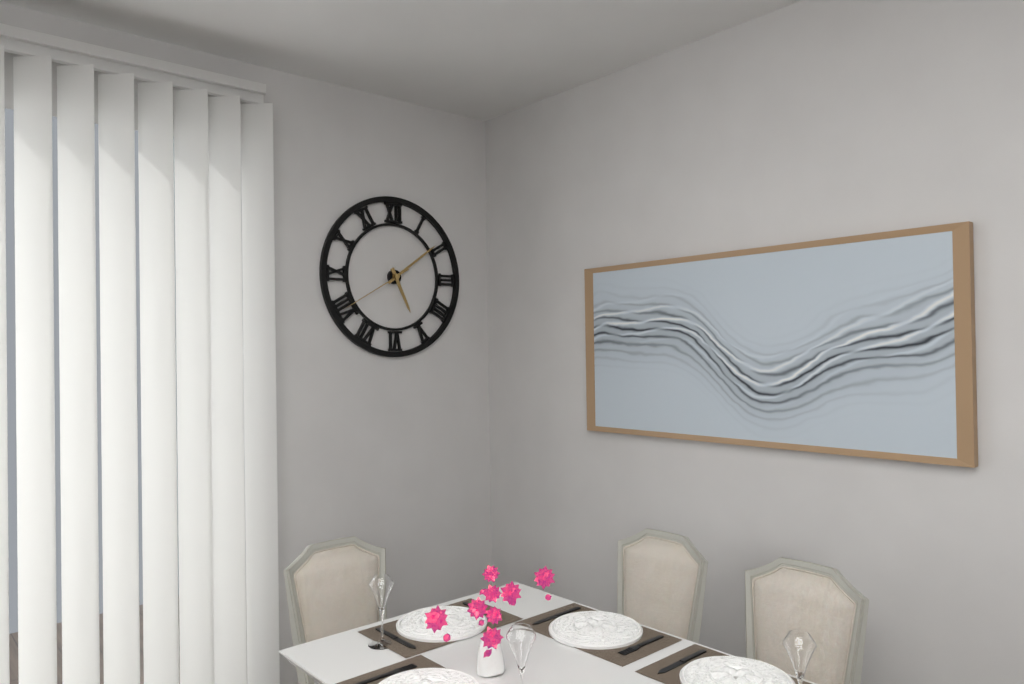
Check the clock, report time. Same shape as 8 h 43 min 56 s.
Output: 5 h 09 min 40 s
